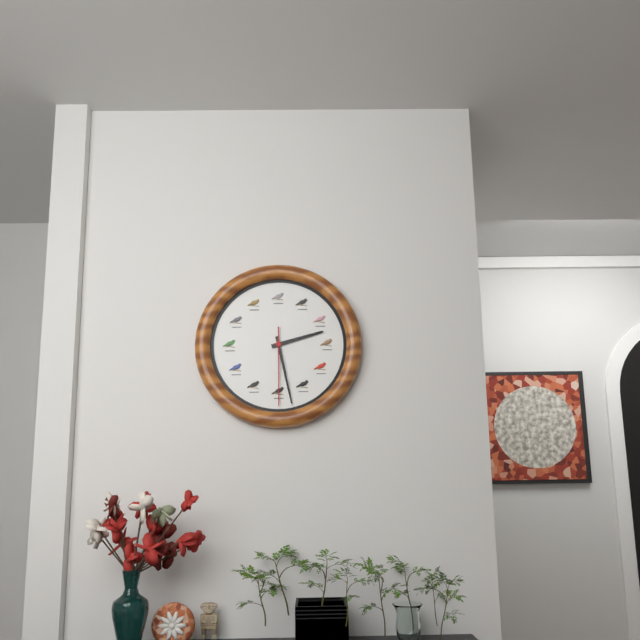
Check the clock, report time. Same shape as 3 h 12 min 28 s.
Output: 2 h 28 min 30 s
